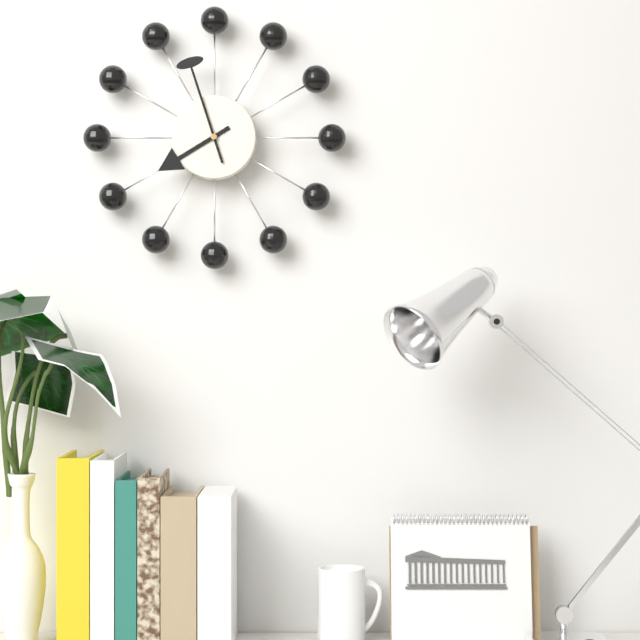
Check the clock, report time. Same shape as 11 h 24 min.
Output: 7 h 57 min
